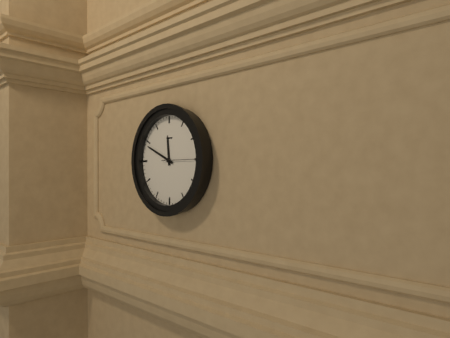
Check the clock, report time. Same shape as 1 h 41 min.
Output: 11 h 49 min
